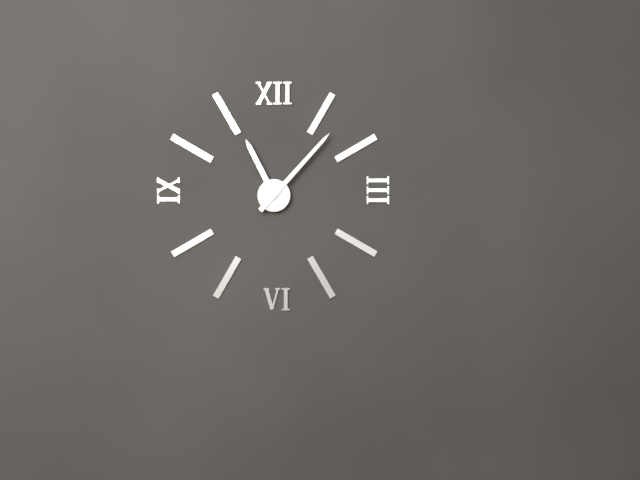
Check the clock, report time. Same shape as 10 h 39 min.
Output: 11 h 07 min
